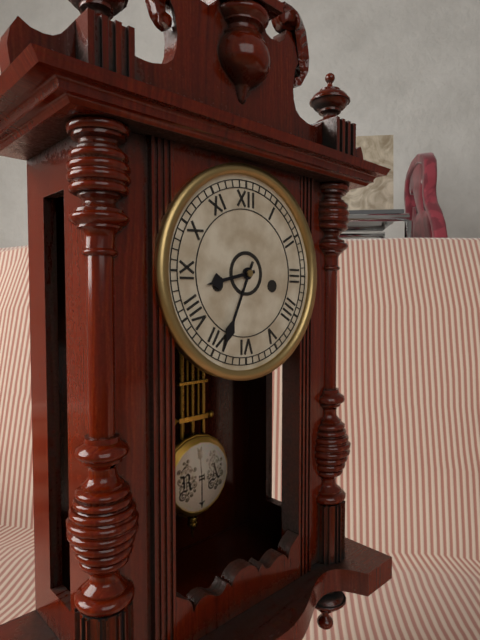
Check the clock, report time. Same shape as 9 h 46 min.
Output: 8 h 34 min
